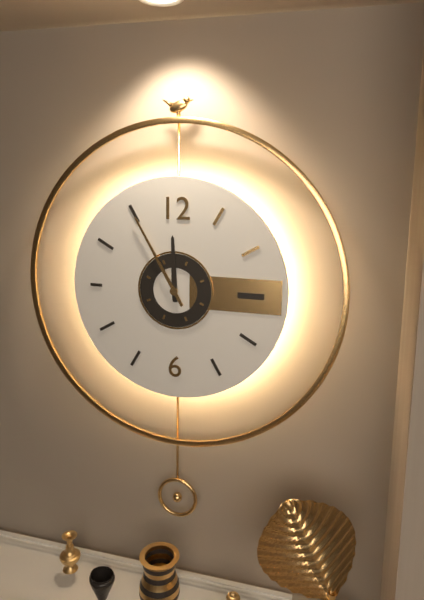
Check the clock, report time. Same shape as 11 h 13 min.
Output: 11 h 55 min
